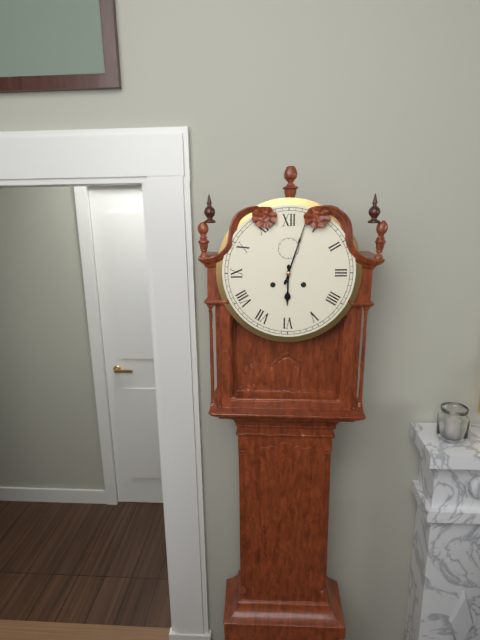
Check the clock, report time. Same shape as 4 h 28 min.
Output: 6 h 03 min
